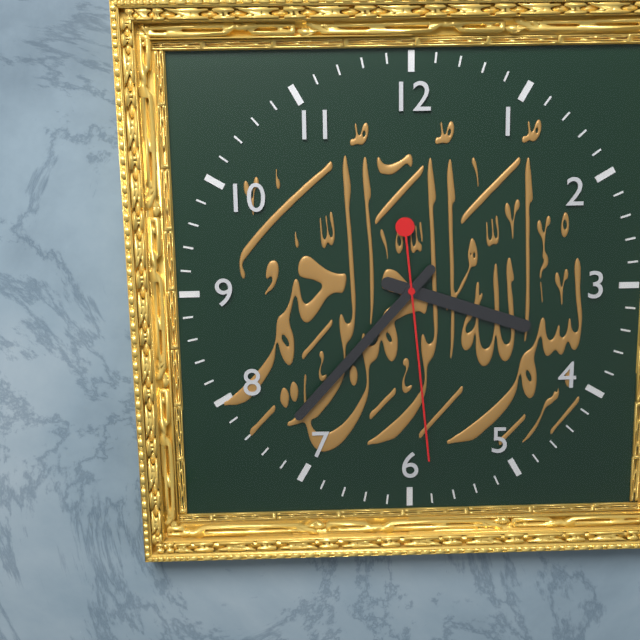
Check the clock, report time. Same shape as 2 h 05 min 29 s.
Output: 3 h 37 min 29 s
